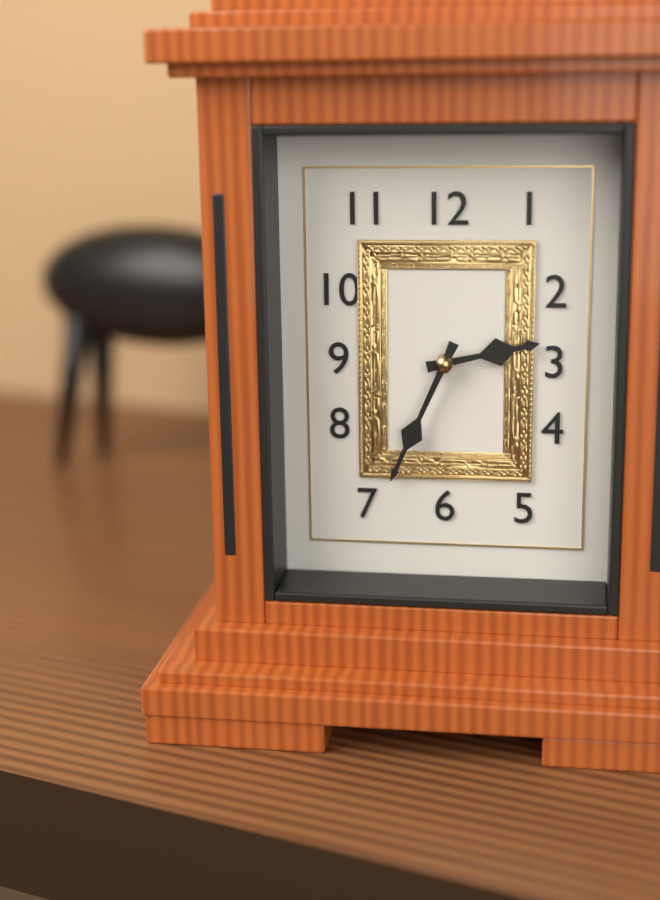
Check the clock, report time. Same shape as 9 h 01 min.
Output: 2 h 34 min
